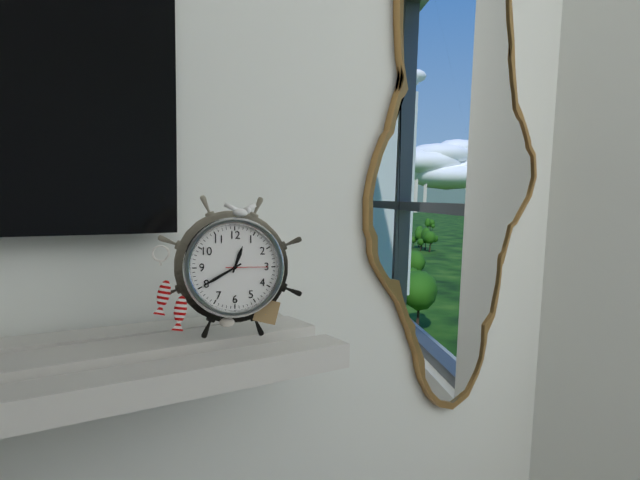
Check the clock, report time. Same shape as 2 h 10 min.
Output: 12 h 40 min
